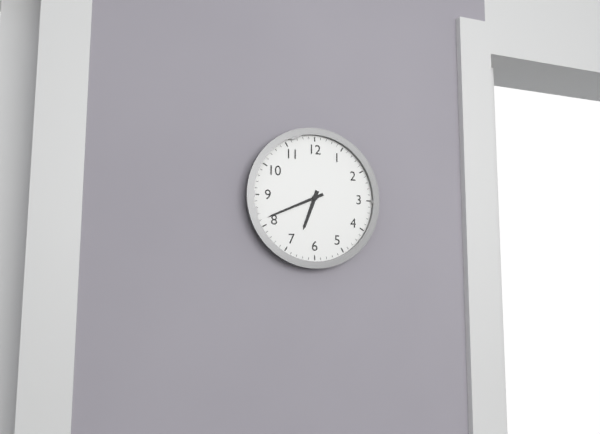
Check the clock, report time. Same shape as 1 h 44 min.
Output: 6 h 41 min
